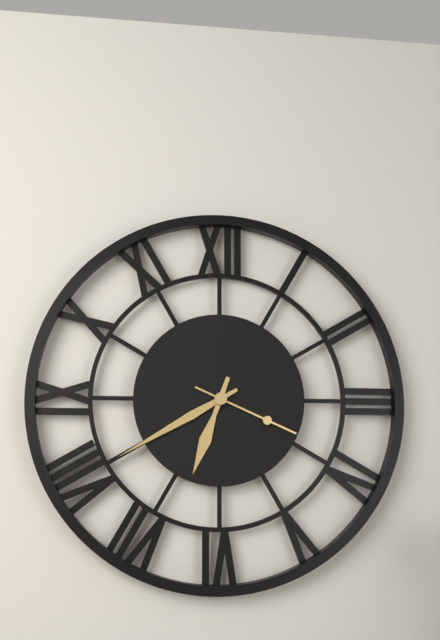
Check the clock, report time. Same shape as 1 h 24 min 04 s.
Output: 6 h 40 min 19 s
